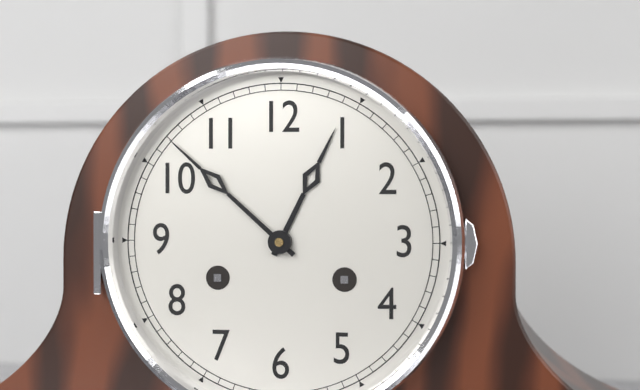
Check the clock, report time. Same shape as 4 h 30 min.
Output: 12 h 52 min
